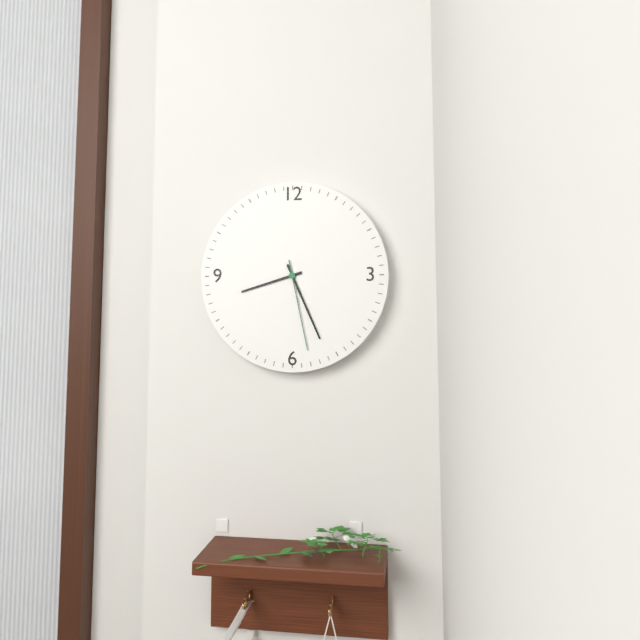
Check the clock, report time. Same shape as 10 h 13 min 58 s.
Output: 8 h 26 min 28 s
